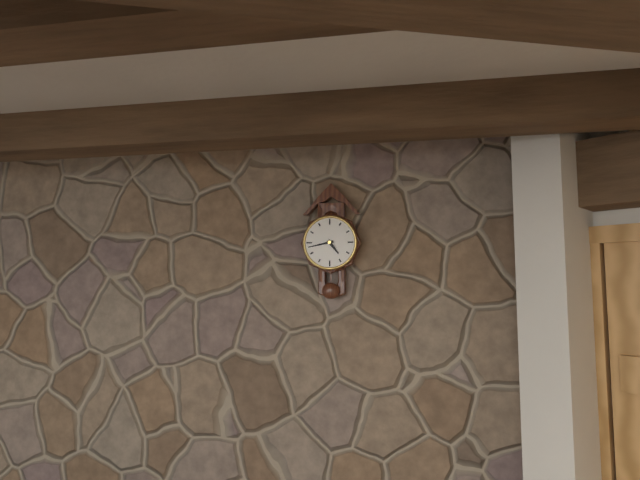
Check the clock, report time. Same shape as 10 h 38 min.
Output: 4 h 43 min
